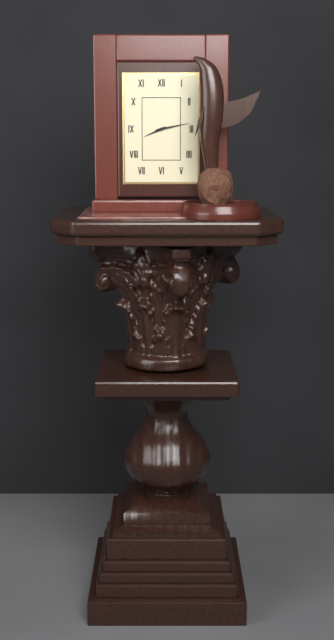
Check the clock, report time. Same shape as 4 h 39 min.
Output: 8 h 13 min
